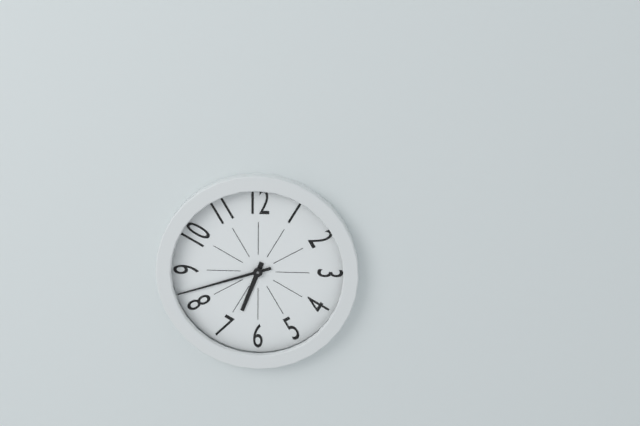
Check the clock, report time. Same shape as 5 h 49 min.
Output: 6 h 42 min
